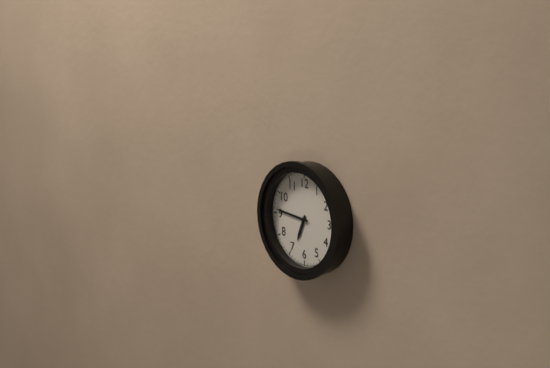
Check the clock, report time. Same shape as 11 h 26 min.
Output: 6 h 46 min
